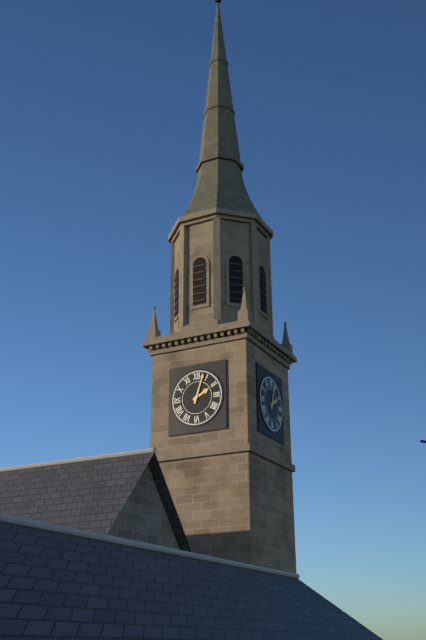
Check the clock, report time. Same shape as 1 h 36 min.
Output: 2 h 03 min
